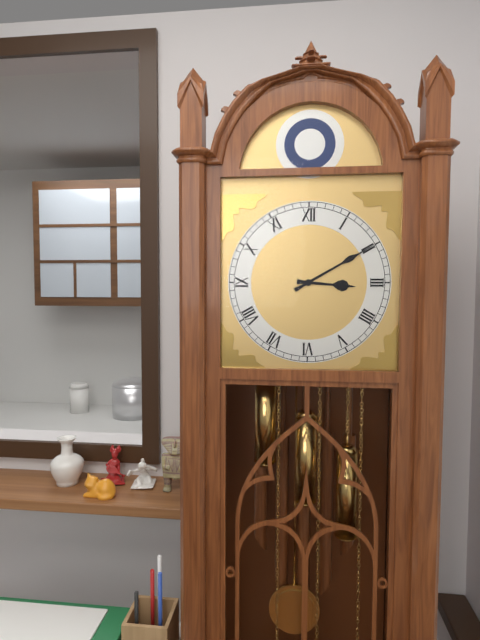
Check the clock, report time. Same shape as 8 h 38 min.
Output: 3 h 10 min
